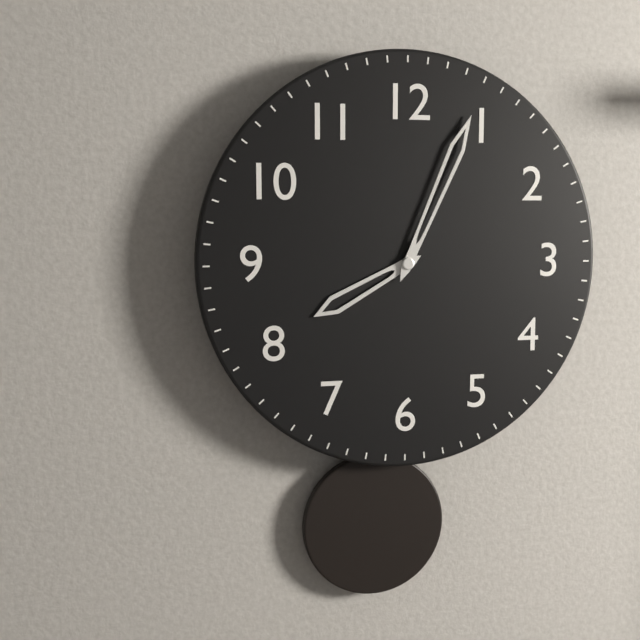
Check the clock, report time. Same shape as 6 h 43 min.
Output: 8 h 04 min
